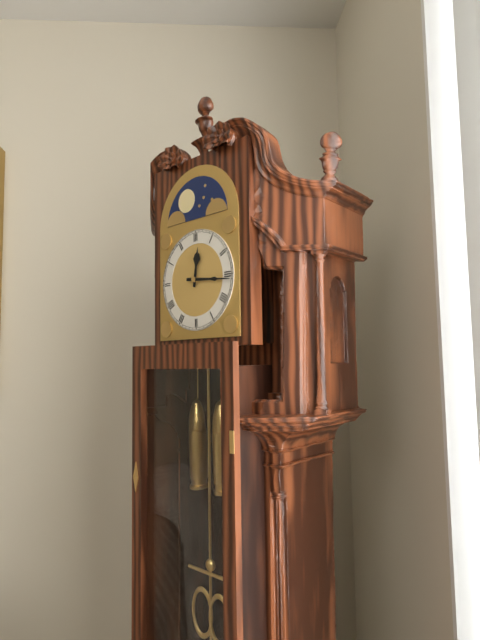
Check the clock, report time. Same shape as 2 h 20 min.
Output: 12 h 16 min
